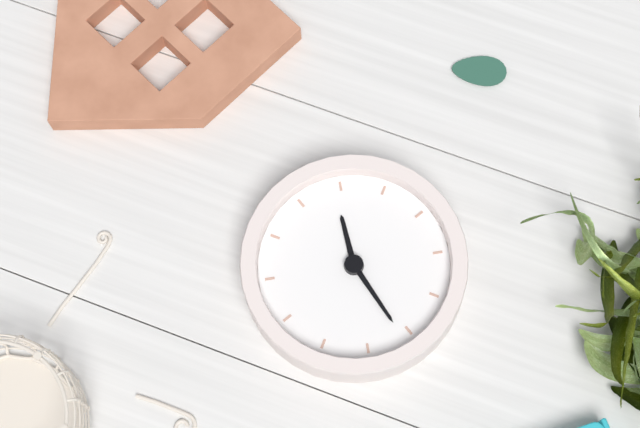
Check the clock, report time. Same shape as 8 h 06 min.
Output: 4 h 51 min
